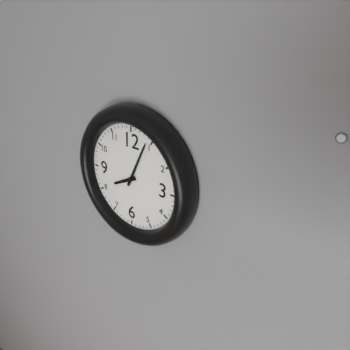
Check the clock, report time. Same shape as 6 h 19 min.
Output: 8 h 04 min
